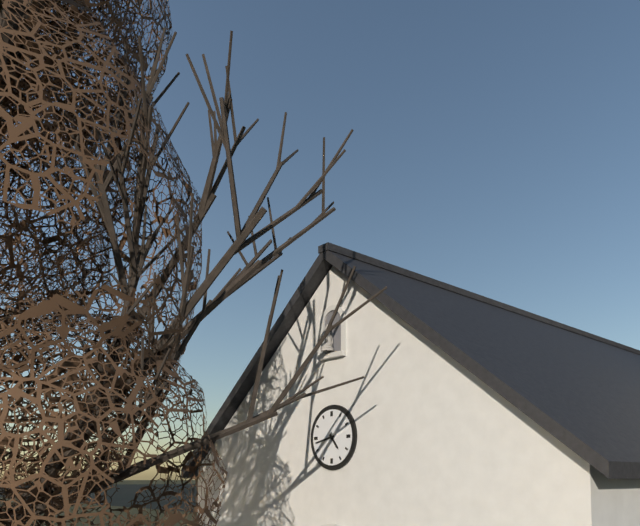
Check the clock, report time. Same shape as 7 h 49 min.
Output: 4 h 43 min
